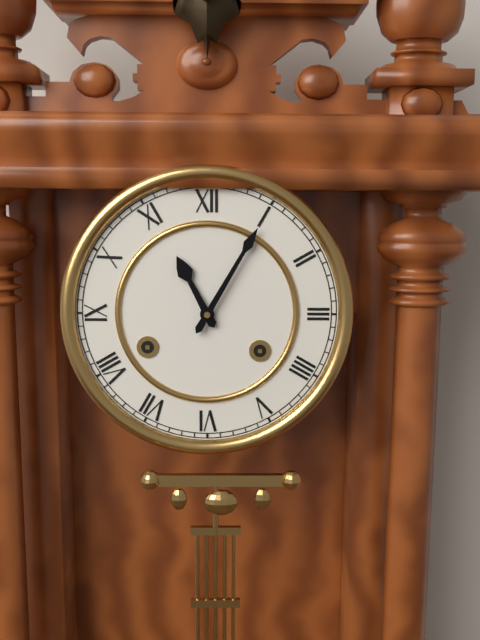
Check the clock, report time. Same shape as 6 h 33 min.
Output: 11 h 05 min
